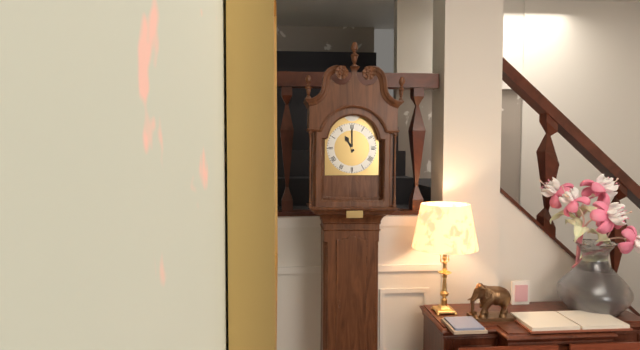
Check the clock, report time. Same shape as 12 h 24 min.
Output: 11 h 00 min
